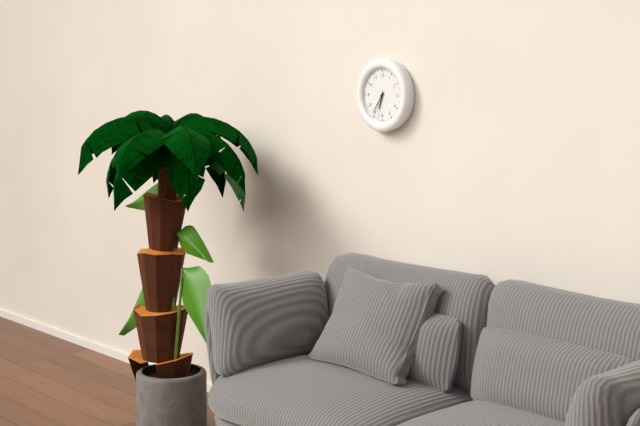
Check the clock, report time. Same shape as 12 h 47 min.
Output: 6 h 36 min
